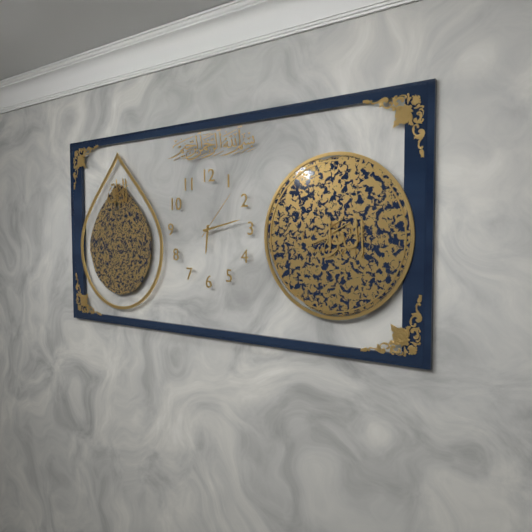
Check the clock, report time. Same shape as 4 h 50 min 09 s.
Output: 6 h 13 min 07 s
